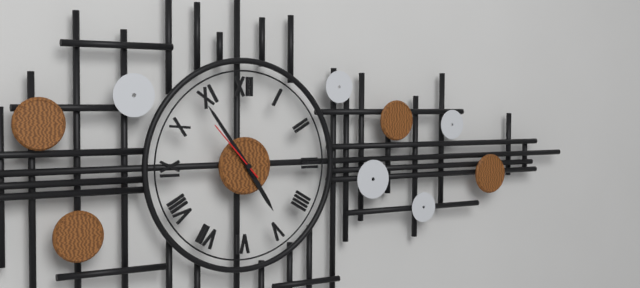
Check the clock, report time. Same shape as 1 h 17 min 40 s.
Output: 4 h 54 min 53 s
